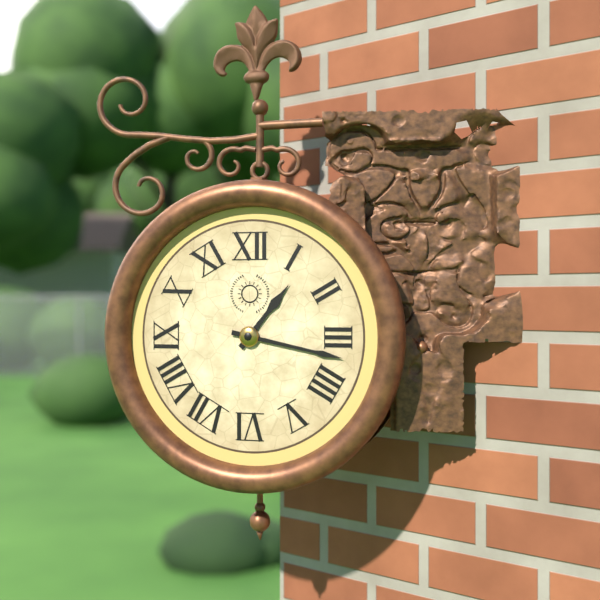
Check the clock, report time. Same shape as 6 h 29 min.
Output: 1 h 17 min
